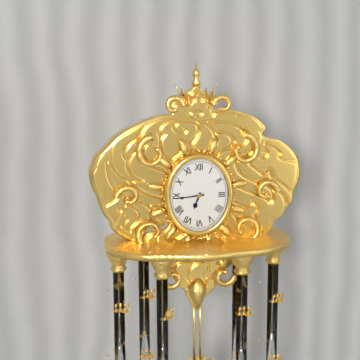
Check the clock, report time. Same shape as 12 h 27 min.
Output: 6 h 44 min
